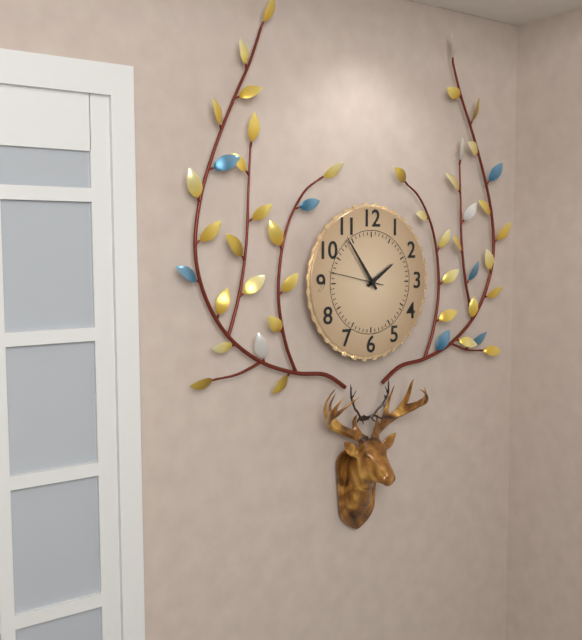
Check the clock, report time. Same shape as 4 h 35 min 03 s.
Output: 1 h 54 min 47 s
